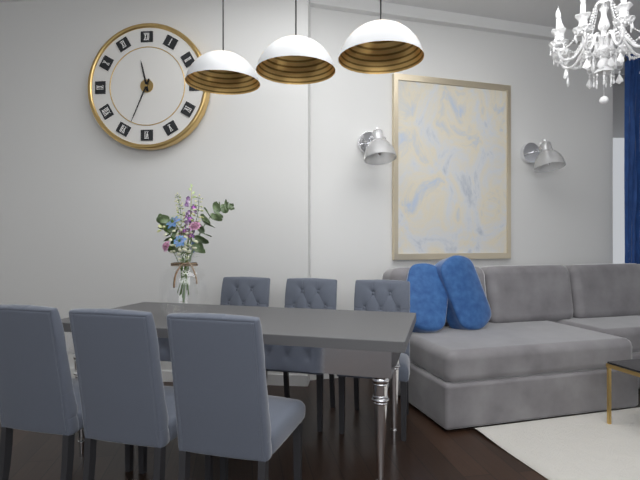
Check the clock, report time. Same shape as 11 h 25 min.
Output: 11 h 34 min
